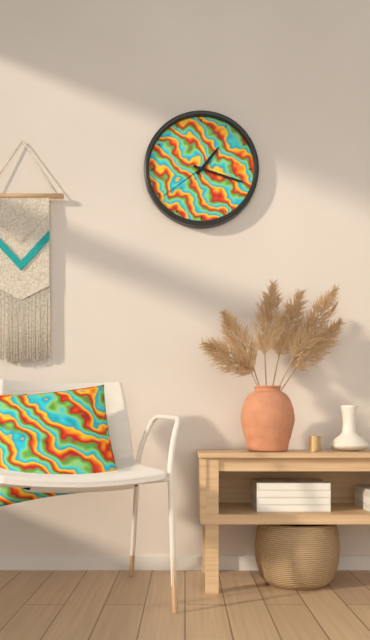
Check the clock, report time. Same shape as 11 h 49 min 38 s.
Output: 1 h 18 min 39 s
